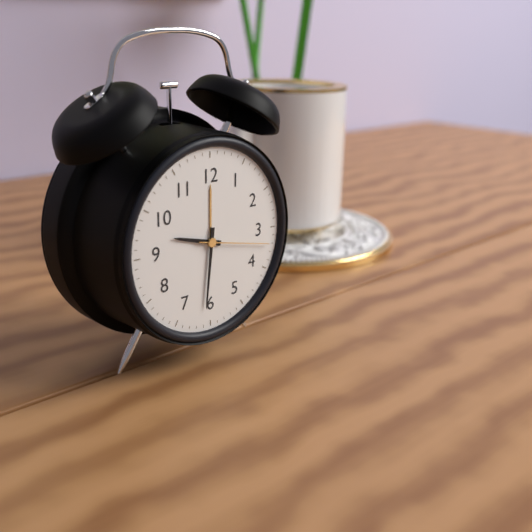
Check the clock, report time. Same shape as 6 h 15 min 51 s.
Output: 9 h 31 min 17 s
